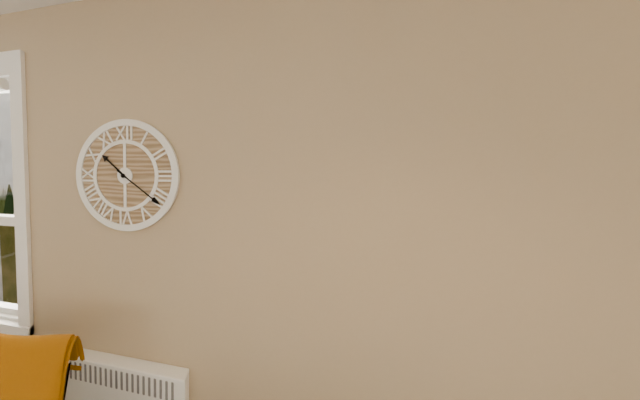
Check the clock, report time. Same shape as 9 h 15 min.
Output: 10 h 21 min
